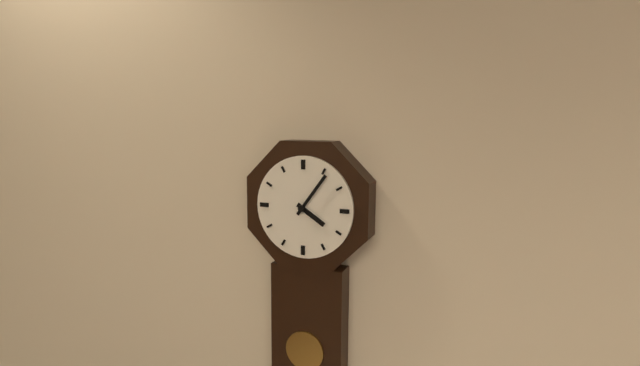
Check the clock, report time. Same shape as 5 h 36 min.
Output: 4 h 06 min
